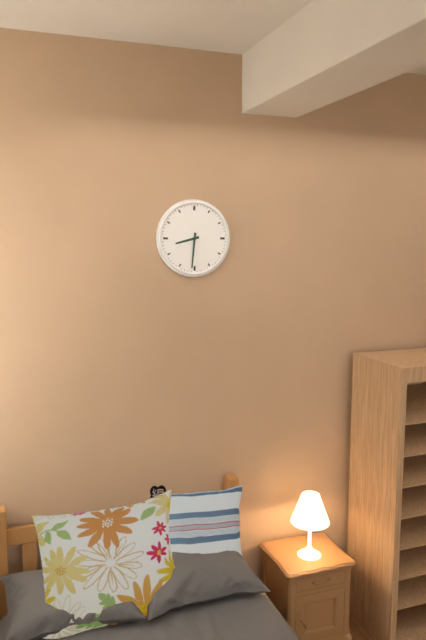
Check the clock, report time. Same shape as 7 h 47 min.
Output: 8 h 31 min
